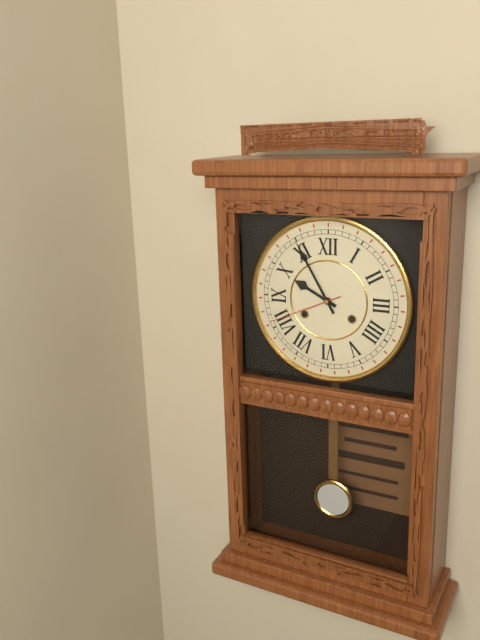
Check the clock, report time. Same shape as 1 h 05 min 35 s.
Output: 9 h 55 min 41 s
